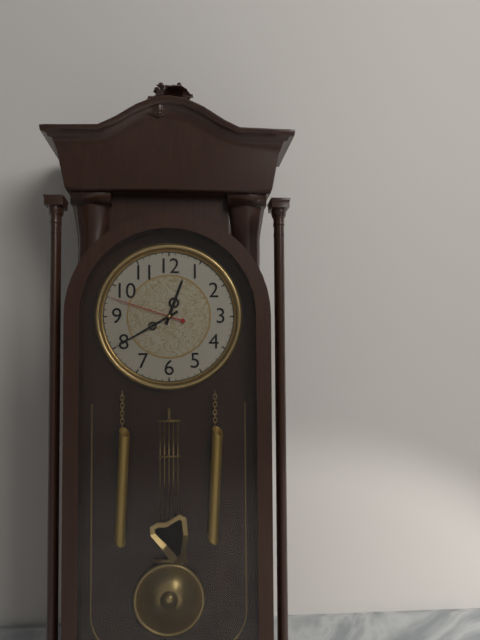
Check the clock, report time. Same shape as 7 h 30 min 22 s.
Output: 12 h 40 min 48 s
